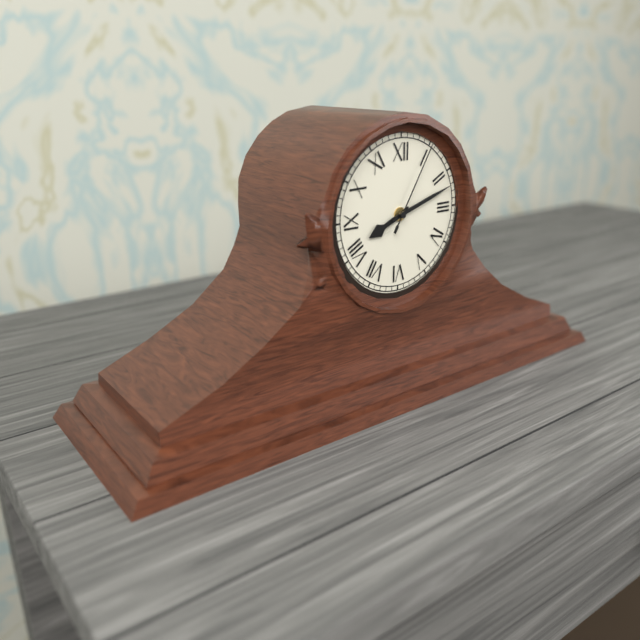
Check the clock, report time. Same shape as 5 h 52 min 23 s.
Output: 8 h 12 min 05 s
